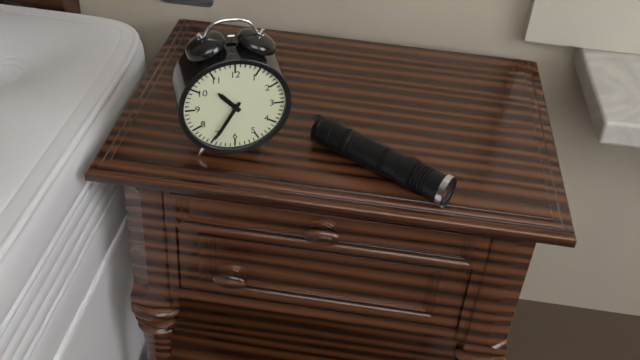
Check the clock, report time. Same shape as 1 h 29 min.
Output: 10 h 35 min
